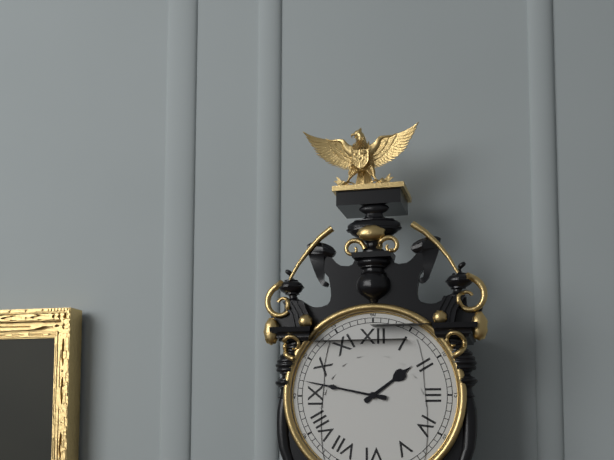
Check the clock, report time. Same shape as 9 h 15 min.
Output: 1 h 47 min
